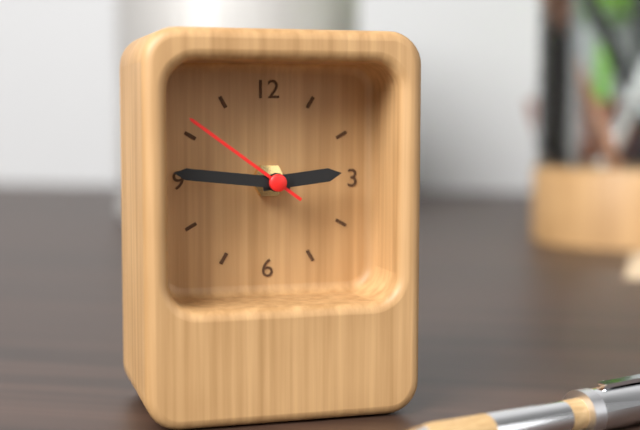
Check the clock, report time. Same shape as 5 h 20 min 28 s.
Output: 2 h 46 min 51 s
